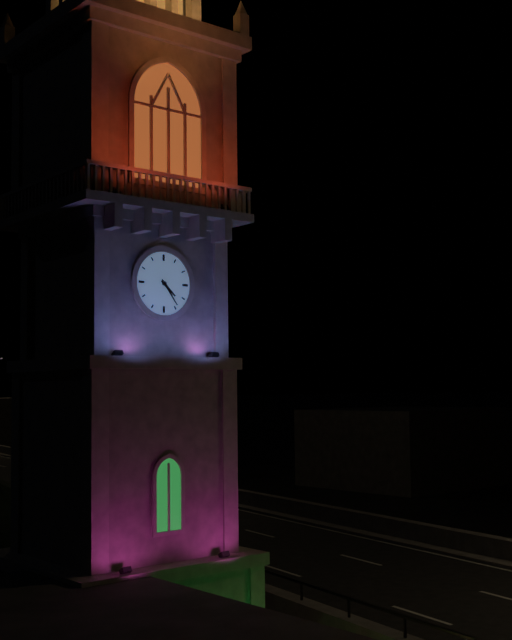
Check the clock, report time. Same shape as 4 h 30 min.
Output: 4 h 24 min
